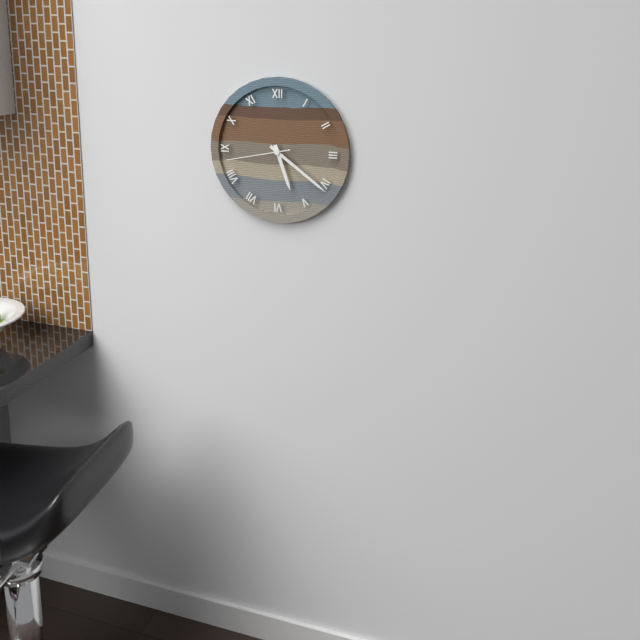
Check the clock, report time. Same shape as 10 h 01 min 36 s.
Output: 5 h 21 min 43 s
